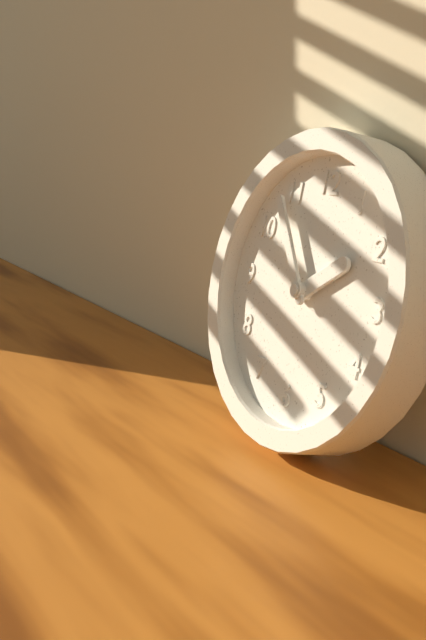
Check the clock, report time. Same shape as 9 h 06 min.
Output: 1 h 54 min
